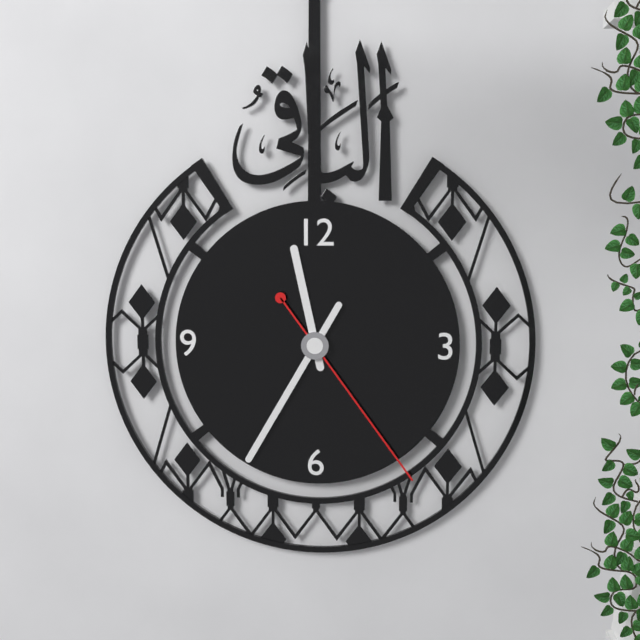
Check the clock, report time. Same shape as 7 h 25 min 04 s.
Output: 11 h 35 min 24 s
